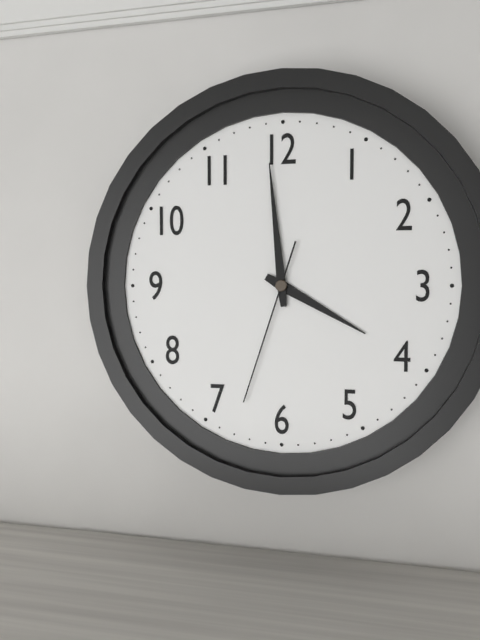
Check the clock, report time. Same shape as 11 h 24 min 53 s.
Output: 3 h 59 min 33 s
